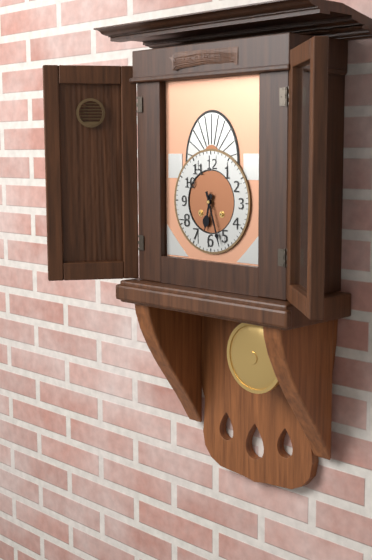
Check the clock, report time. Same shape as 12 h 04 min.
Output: 6 h 27 min
